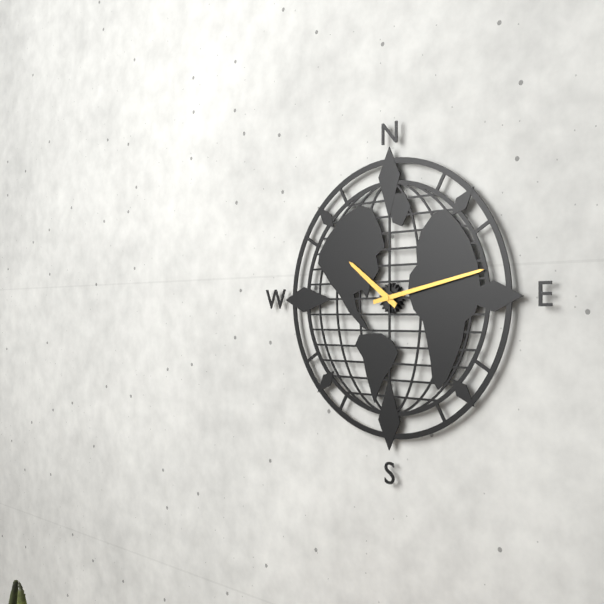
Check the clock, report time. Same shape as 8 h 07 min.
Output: 10 h 13 min
